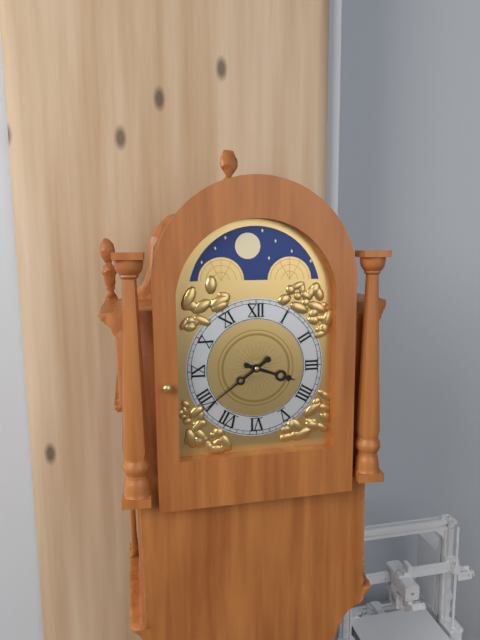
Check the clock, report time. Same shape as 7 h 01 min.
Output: 3 h 39 min
